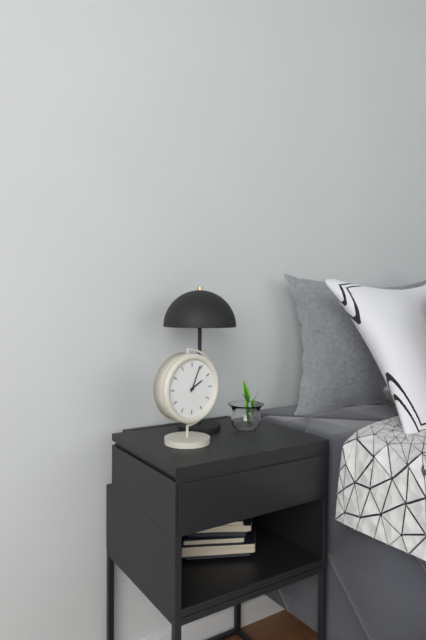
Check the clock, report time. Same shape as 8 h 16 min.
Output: 2 h 04 min
